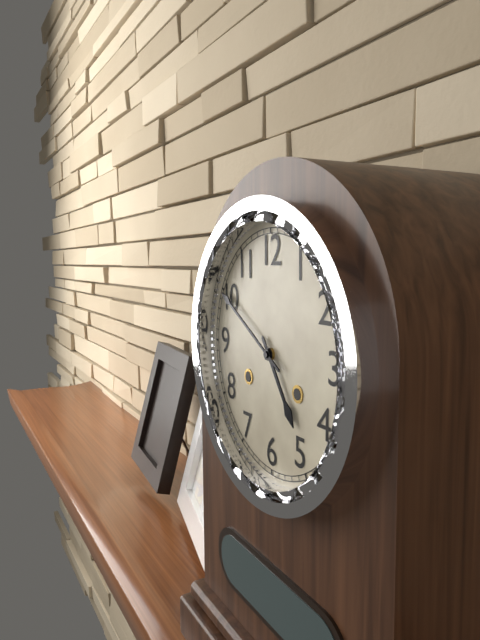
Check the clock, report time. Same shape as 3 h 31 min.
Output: 4 h 50 min
